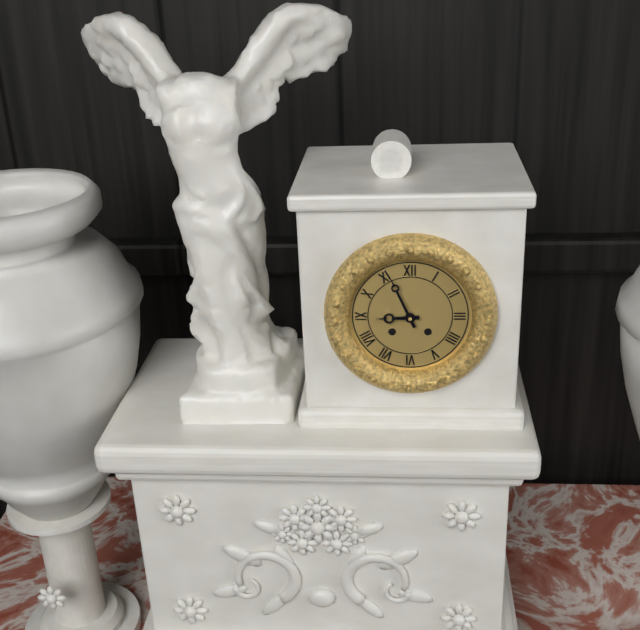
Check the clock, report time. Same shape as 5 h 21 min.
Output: 8 h 56 min
